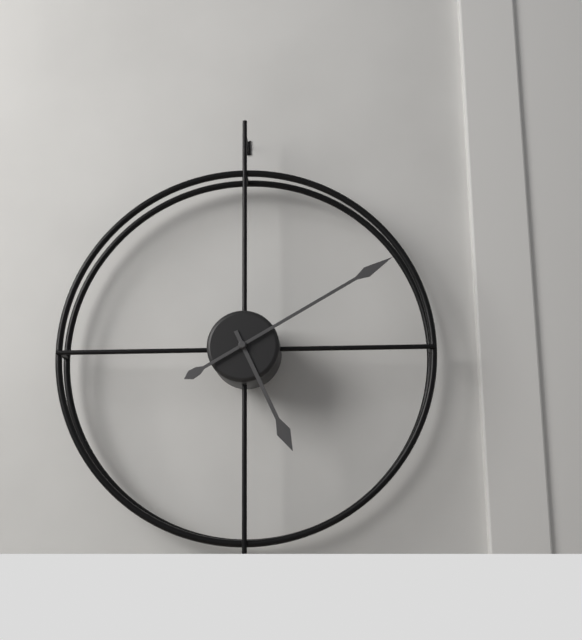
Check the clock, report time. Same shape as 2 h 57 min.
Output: 5 h 10 min
